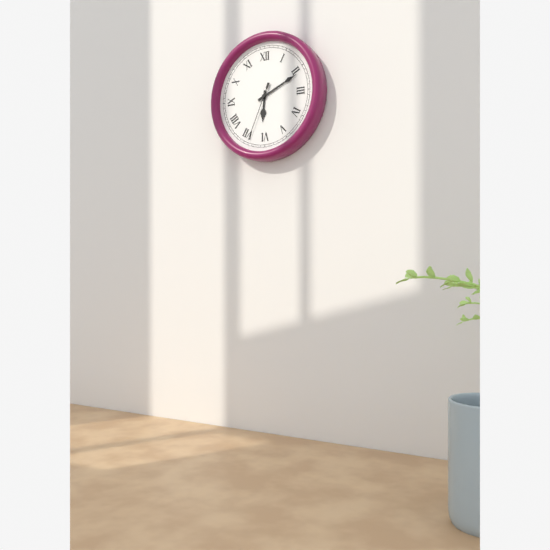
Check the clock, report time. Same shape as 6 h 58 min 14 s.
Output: 6 h 11 min 34 s
